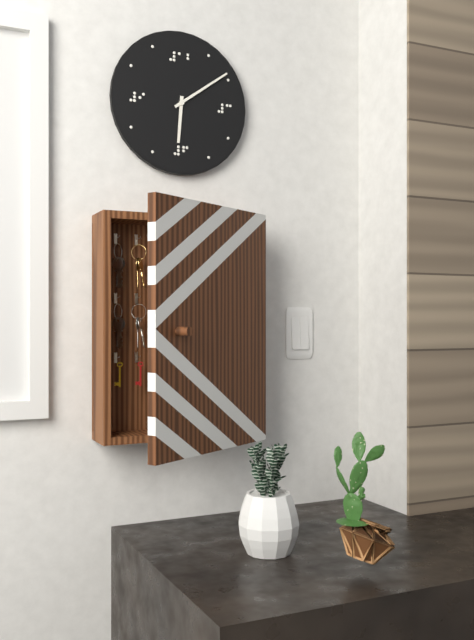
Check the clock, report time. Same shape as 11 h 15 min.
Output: 6 h 09 min
